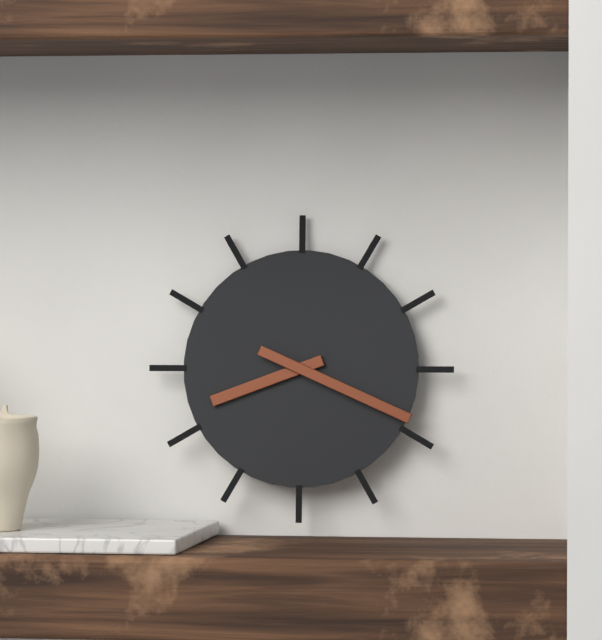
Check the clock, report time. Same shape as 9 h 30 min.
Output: 8 h 19 min
